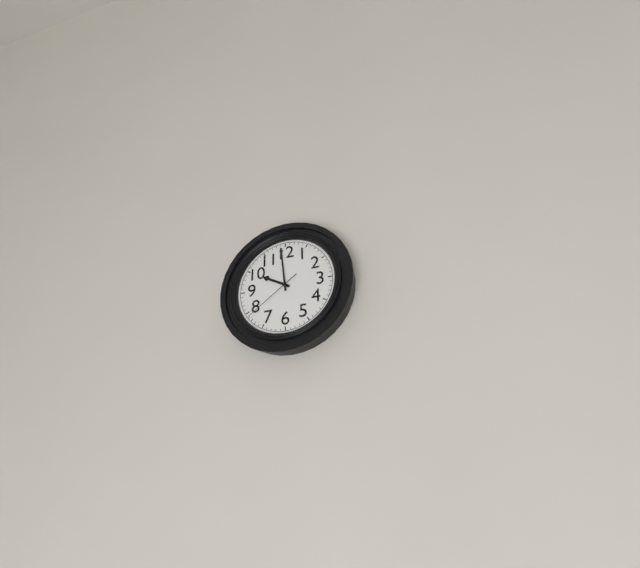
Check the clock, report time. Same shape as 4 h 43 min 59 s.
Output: 9 h 59 min 39 s
